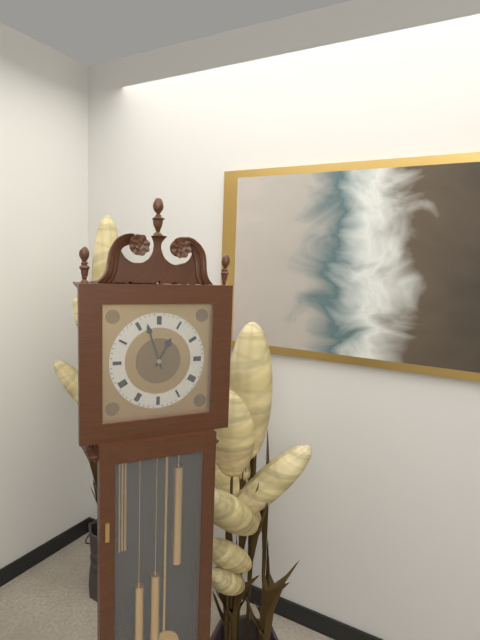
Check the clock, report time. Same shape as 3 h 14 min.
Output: 12 h 57 min
